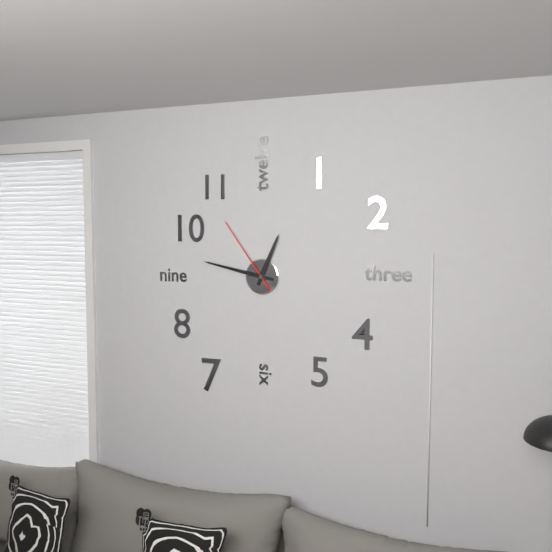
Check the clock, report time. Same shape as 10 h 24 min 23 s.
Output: 12 h 47 min 54 s
